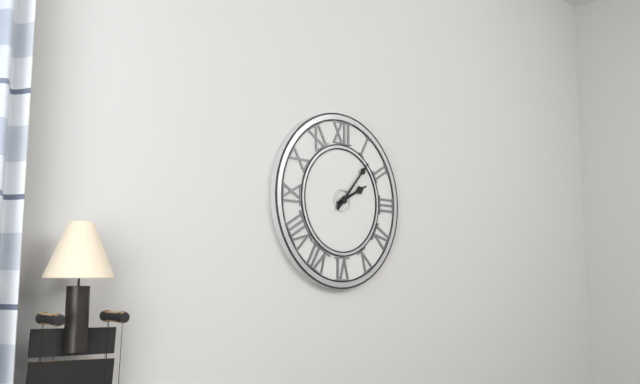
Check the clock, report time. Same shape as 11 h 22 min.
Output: 2 h 07 min
